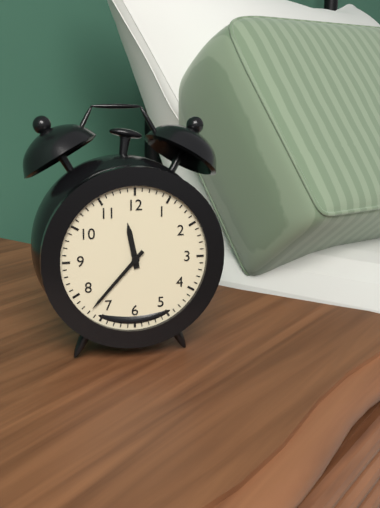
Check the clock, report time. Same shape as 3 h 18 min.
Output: 11 h 37 min
